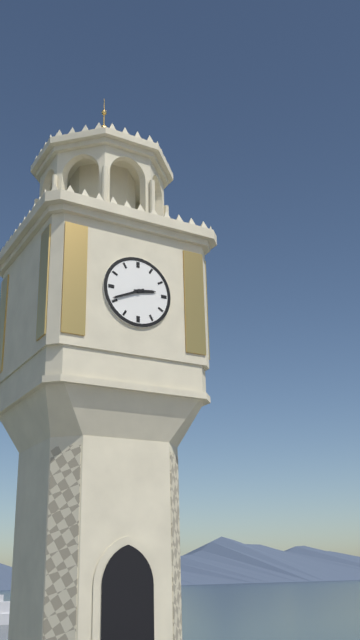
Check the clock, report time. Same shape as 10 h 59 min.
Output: 2 h 41 min
